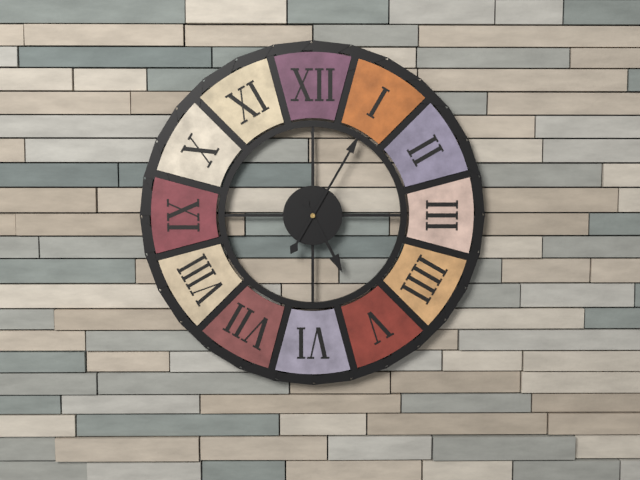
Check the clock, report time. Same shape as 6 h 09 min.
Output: 5 h 05 min
